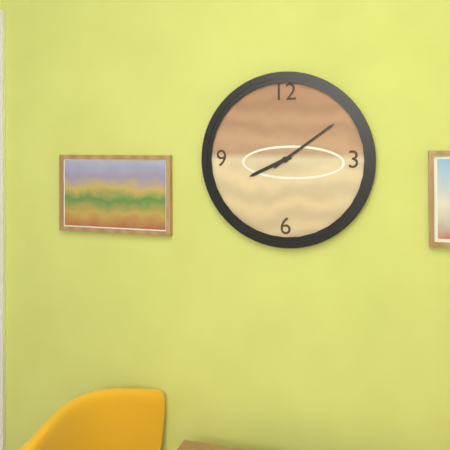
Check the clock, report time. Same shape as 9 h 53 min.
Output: 8 h 09 min
